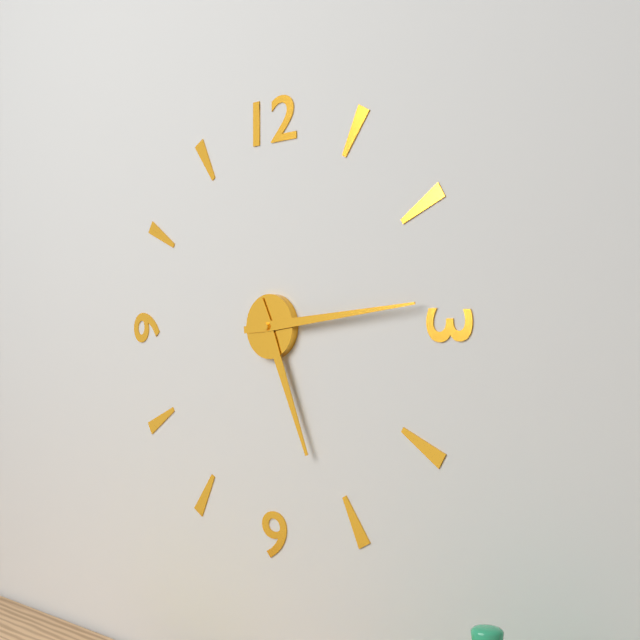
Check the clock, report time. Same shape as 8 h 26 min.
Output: 5 h 14 min
